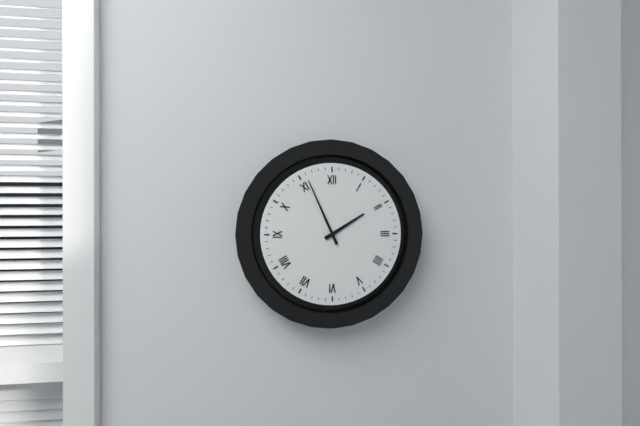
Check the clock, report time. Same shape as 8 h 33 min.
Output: 1 h 56 min
